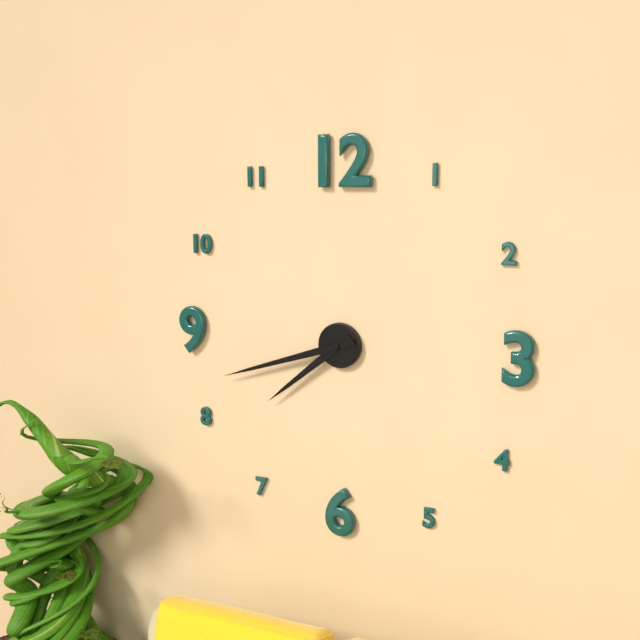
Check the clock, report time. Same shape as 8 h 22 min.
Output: 7 h 42 min
